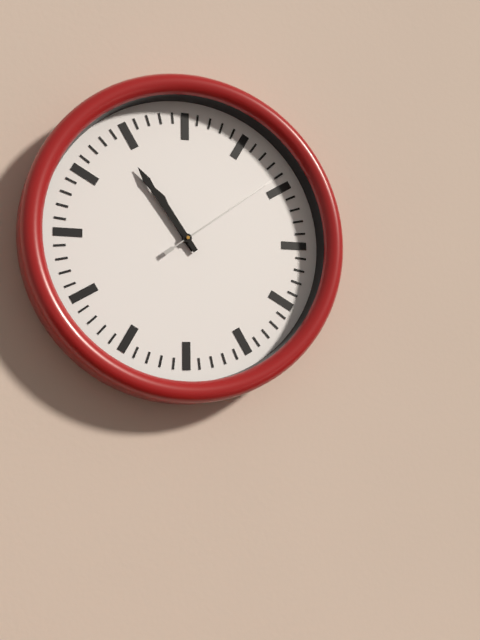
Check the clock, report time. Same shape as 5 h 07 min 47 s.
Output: 10 h 54 min 09 s
